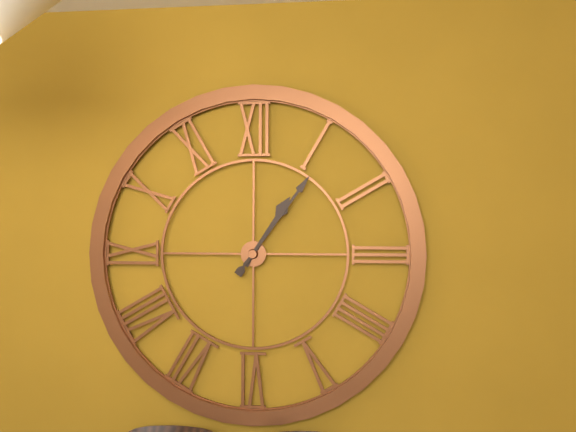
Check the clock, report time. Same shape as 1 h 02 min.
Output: 1 h 06 min
